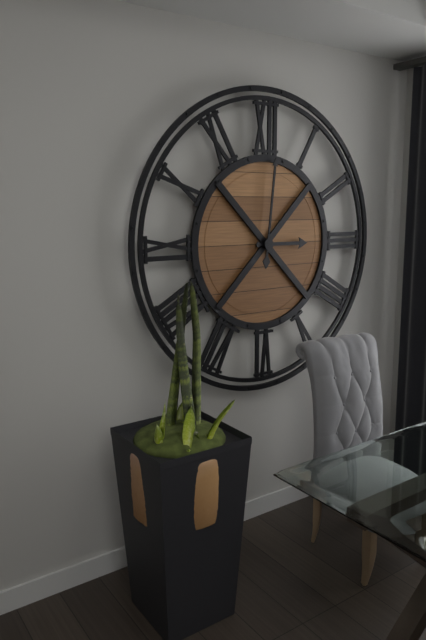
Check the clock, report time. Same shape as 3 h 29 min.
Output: 3 h 01 min
